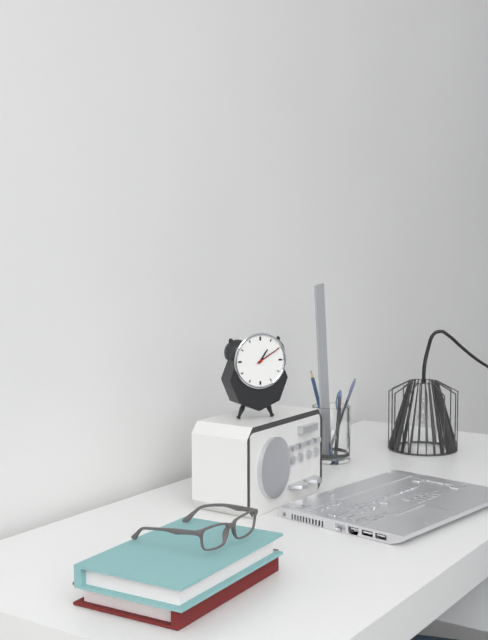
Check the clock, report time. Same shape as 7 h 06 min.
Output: 1 h 10 min
